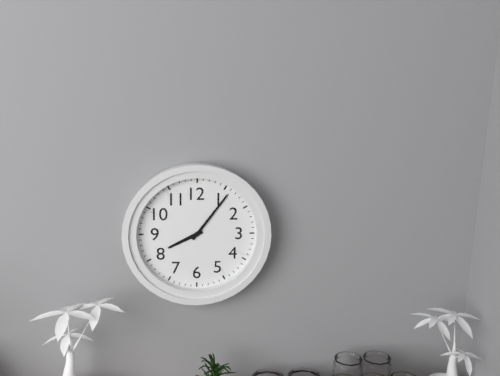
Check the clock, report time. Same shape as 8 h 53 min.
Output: 8 h 06 min
